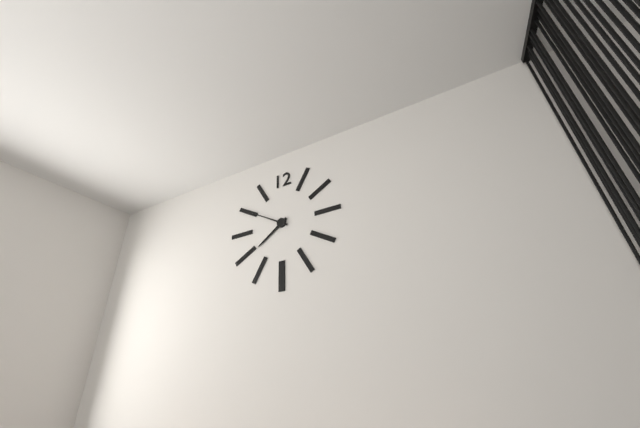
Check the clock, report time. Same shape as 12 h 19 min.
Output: 7 h 50 min
